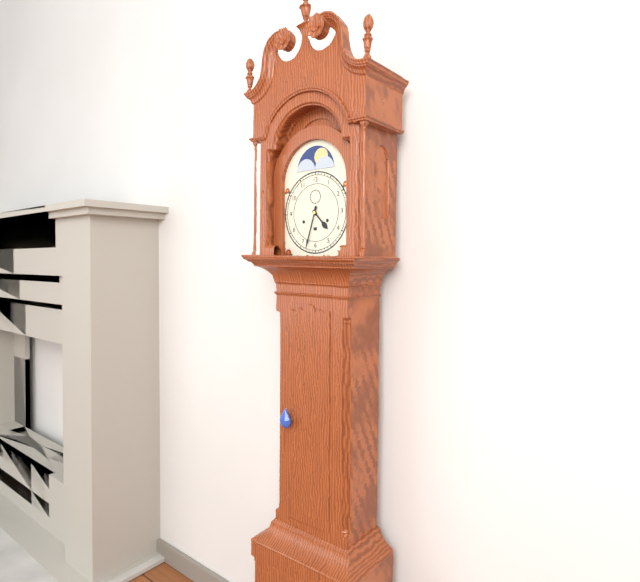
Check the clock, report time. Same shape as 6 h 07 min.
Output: 4 h 33 min
